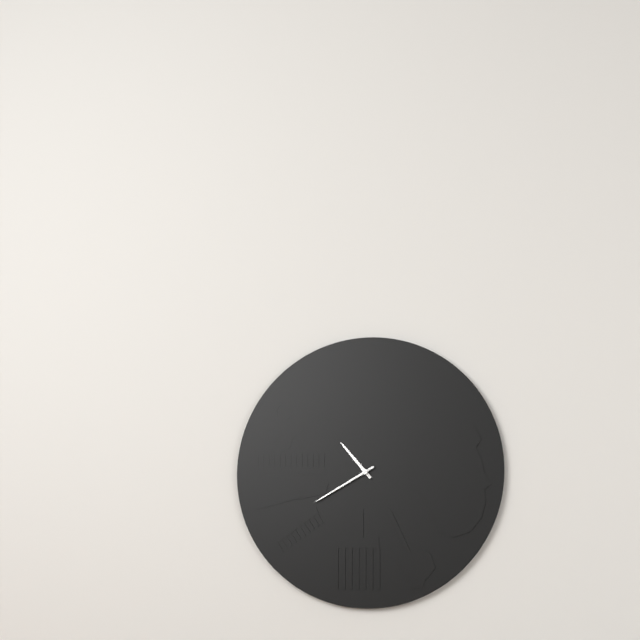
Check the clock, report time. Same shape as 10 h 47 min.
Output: 10 h 40 min
